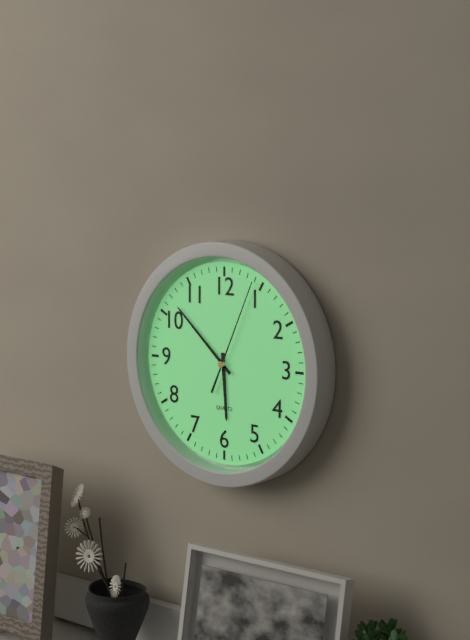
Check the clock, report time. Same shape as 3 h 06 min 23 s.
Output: 5 h 52 min 04 s
